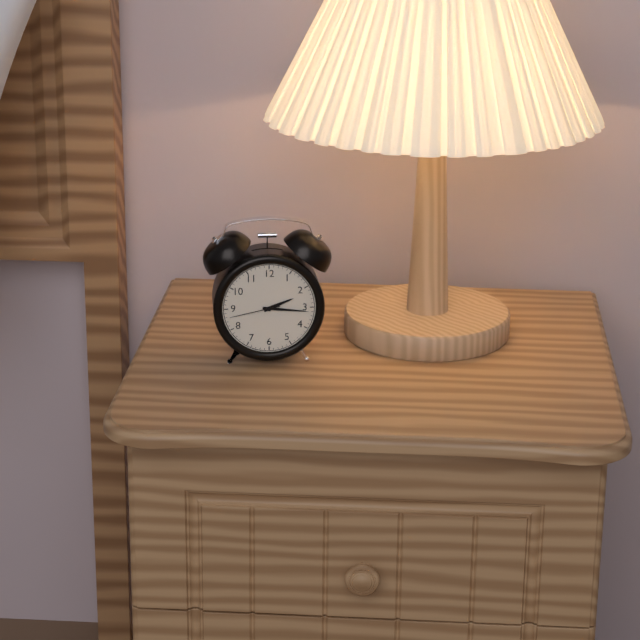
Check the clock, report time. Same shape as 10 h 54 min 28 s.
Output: 2 h 16 min 43 s
